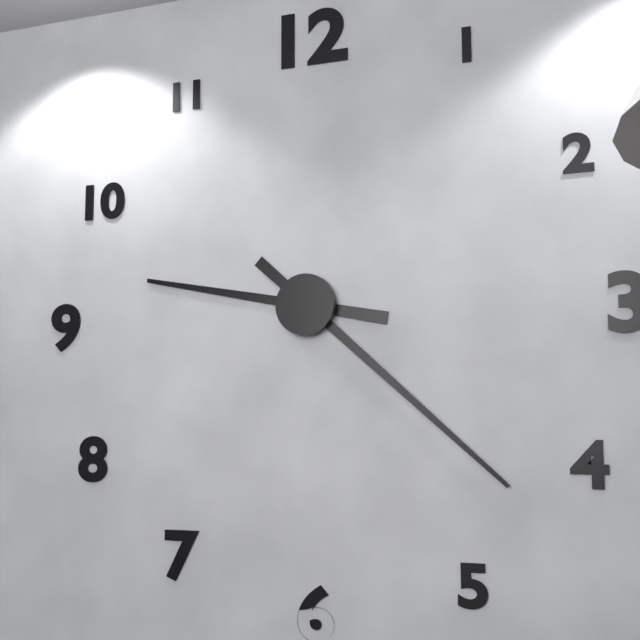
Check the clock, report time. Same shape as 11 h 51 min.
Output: 9 h 22 min
